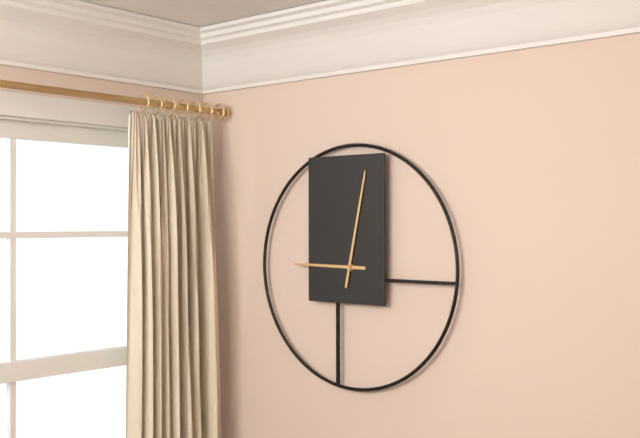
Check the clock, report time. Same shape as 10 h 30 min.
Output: 9 h 02 min
